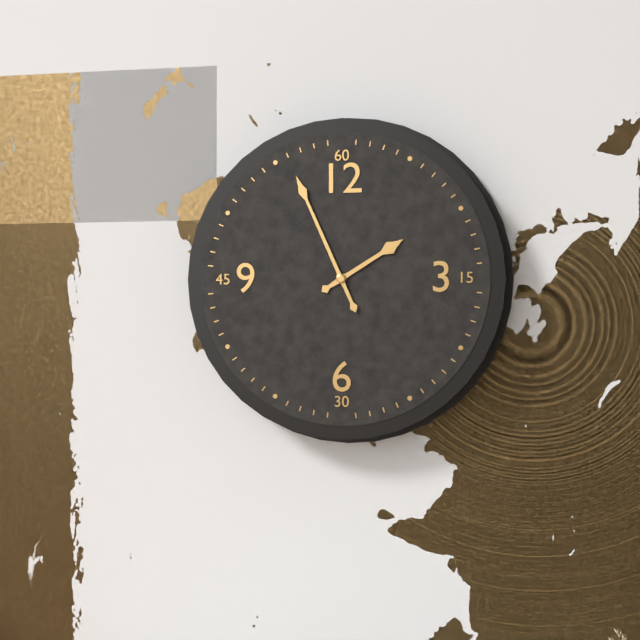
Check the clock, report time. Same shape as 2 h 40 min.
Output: 1 h 56 min
